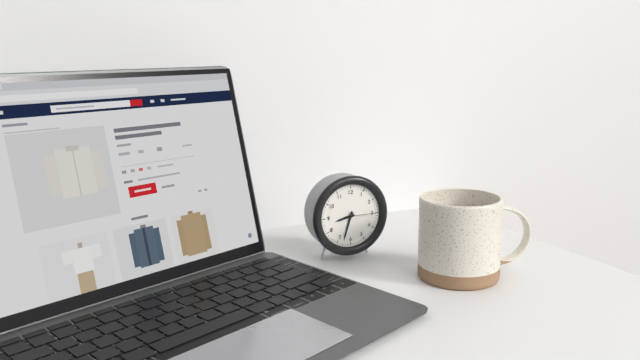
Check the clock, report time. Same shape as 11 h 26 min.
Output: 8 h 33 min
